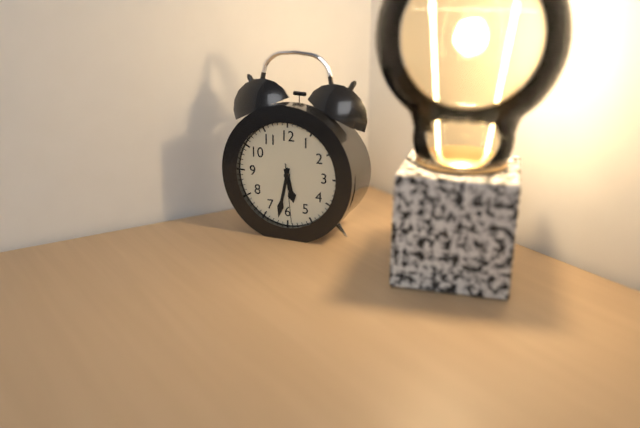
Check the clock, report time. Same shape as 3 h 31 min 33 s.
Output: 5 h 32 min 29 s
